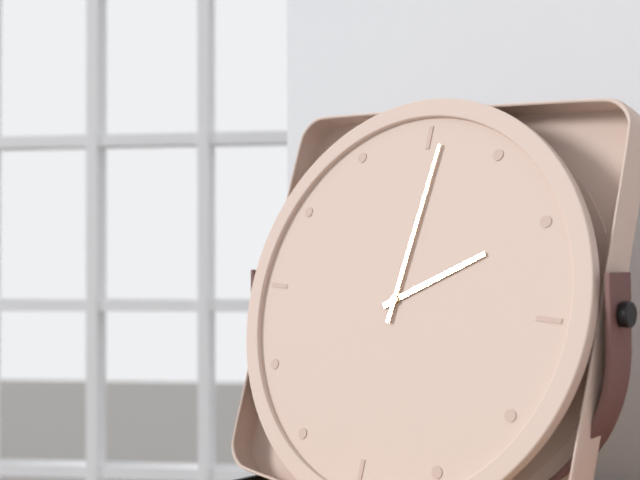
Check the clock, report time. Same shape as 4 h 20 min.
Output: 2 h 01 min
